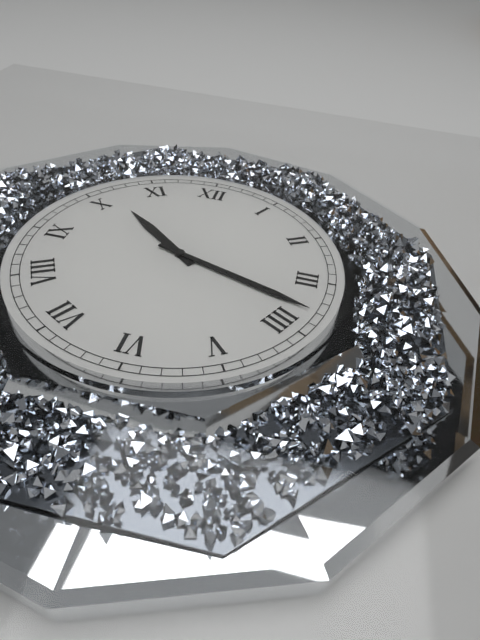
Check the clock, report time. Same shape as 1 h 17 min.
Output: 10 h 18 min
